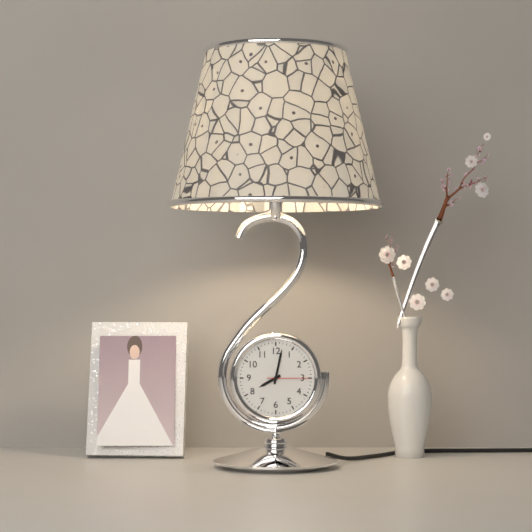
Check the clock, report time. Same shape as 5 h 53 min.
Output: 8 h 02 min
